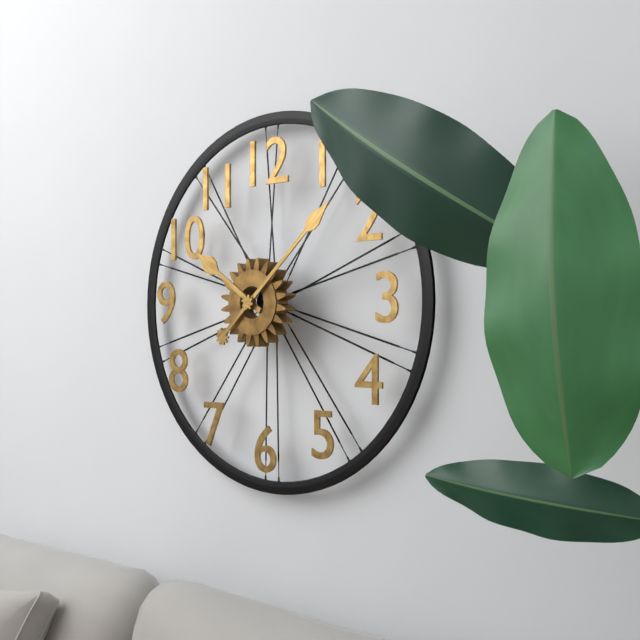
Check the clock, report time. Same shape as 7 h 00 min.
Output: 10 h 08 min
